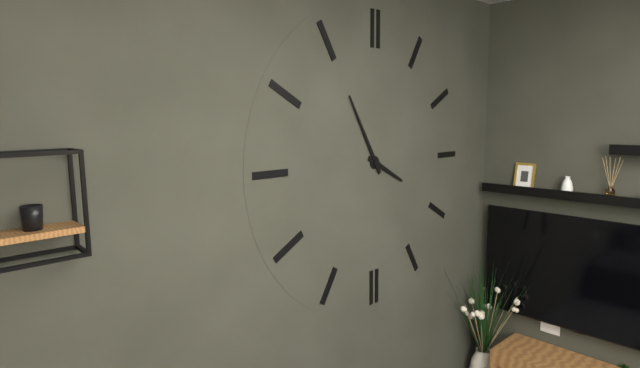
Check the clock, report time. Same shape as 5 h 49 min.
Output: 3 h 55 min
